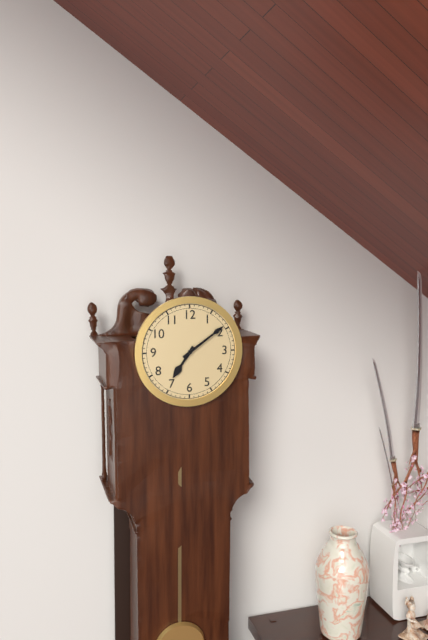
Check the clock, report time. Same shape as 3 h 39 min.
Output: 7 h 09 min
